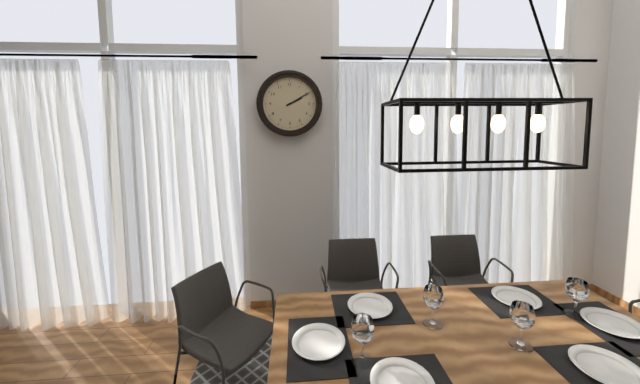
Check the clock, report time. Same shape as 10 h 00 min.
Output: 2 h 10 min
